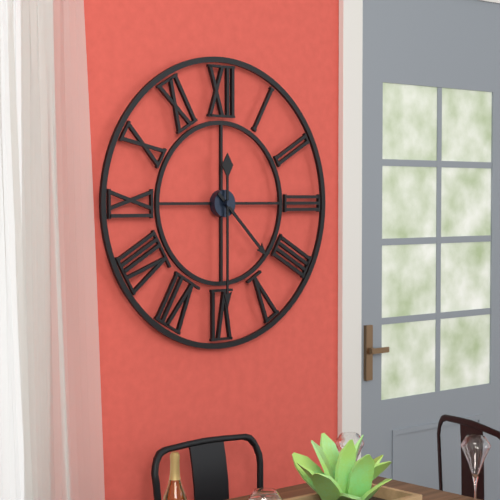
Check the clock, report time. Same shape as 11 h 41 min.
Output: 4 h 30 min
